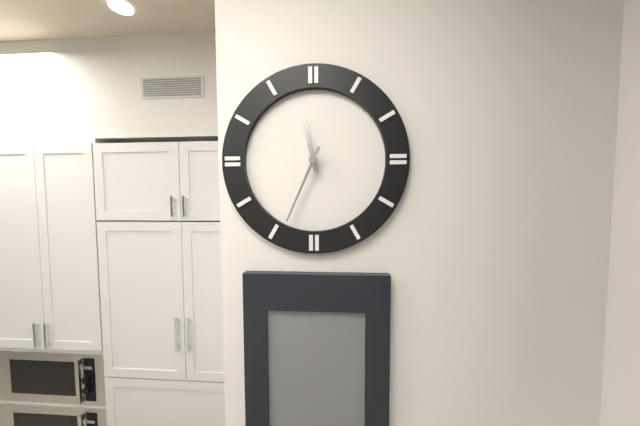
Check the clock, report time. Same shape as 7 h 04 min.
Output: 11 h 34 min
